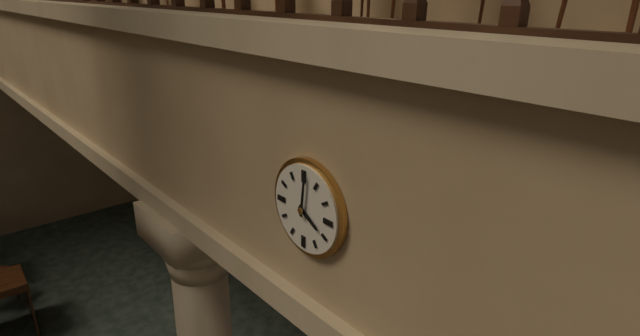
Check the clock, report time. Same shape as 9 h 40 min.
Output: 4 h 01 min
